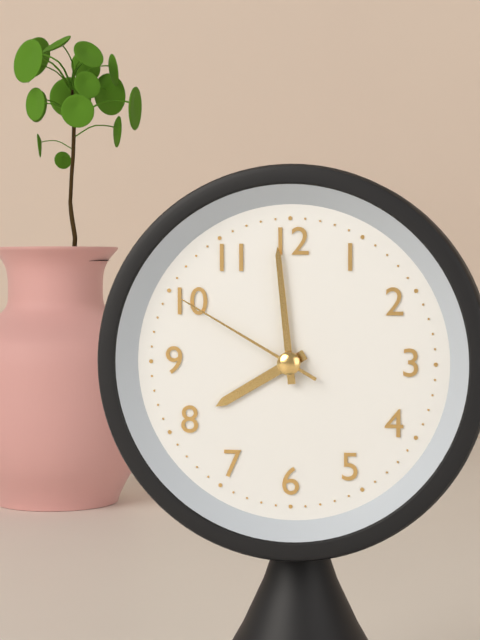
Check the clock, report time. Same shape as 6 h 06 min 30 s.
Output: 7 h 59 min 50 s
